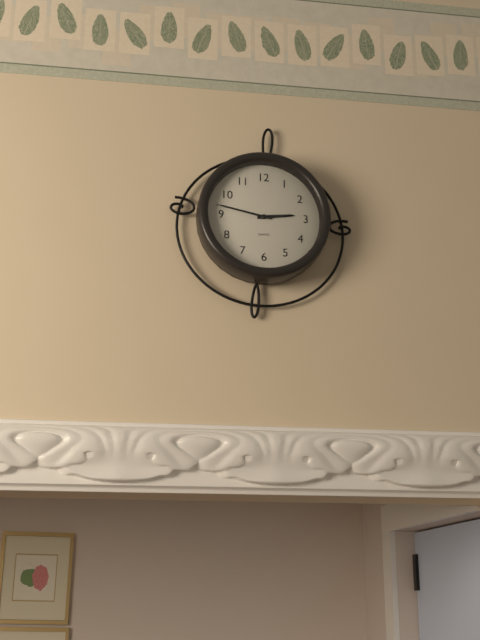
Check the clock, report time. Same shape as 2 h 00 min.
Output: 2 h 47 min
